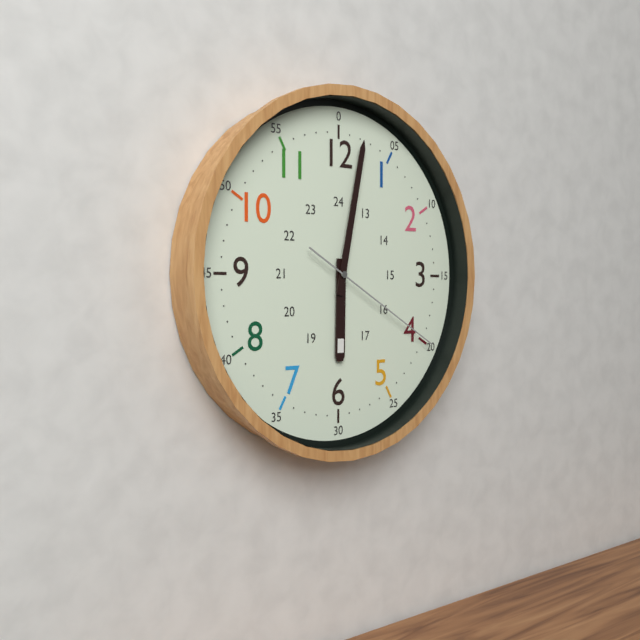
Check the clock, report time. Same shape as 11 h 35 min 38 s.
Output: 6 h 02 min 20 s
